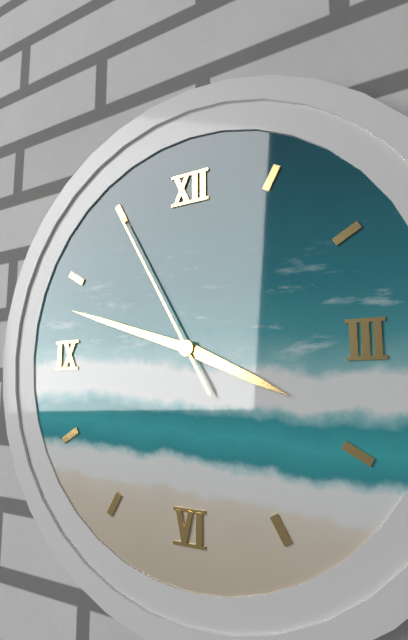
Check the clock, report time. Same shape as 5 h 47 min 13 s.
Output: 3 h 48 min 55 s
